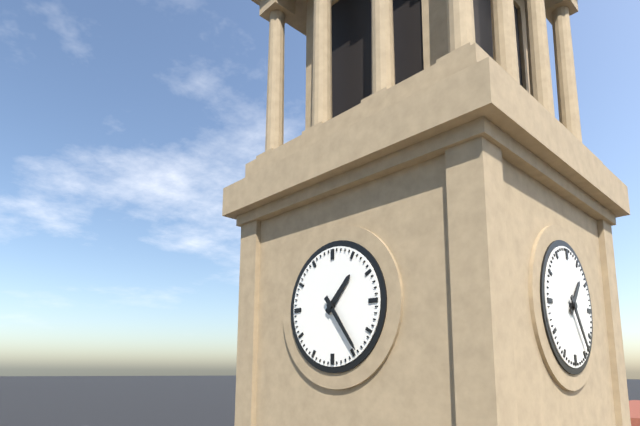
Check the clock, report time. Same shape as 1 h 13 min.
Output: 1 h 24 min
